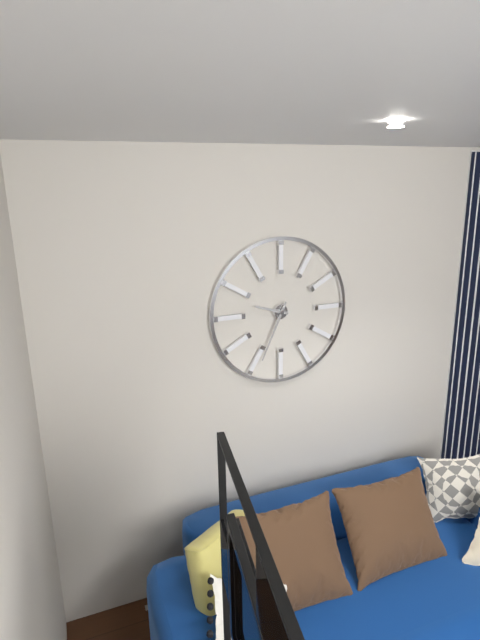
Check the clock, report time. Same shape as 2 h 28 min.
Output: 9 h 34 min
